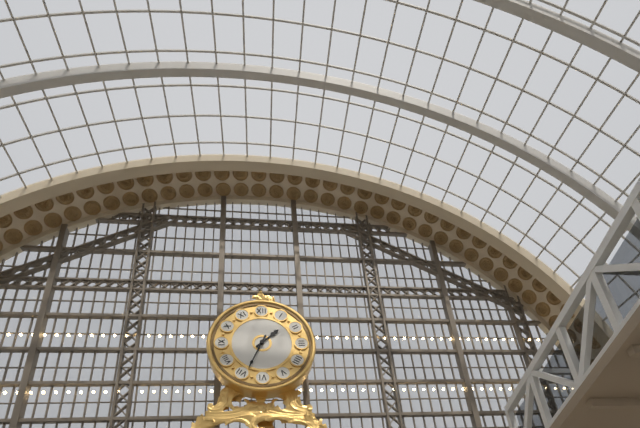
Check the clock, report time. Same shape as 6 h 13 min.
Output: 1 h 34 min
